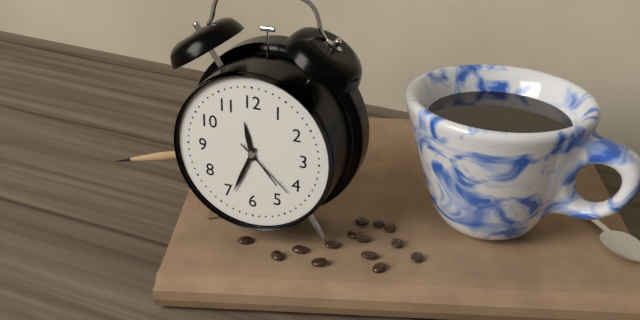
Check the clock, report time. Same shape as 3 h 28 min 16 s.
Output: 11 h 34 min 22 s
